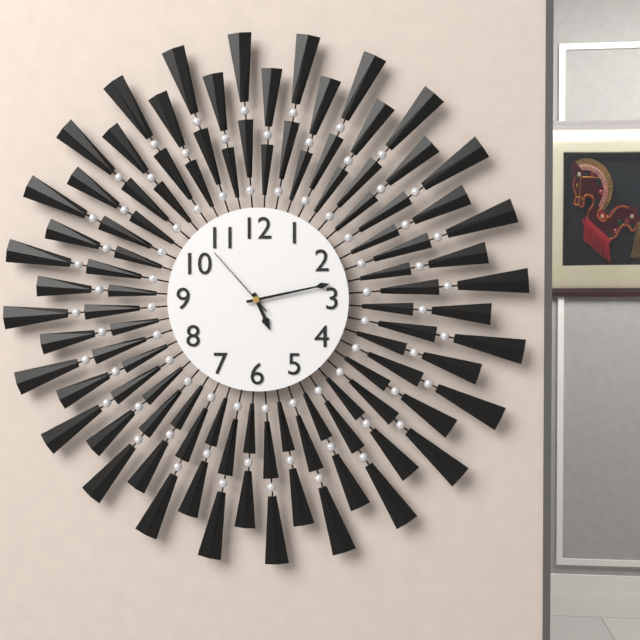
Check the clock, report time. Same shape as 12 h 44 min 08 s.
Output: 5 h 13 min 53 s
